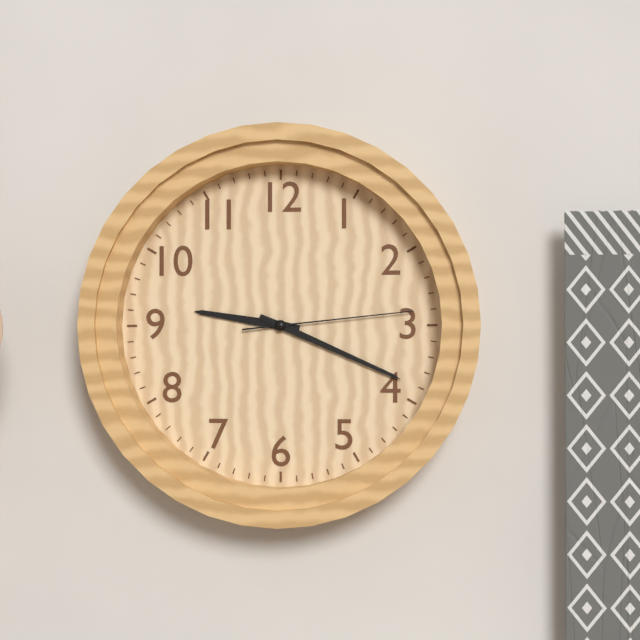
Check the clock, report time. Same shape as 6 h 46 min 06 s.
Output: 9 h 19 min 14 s
